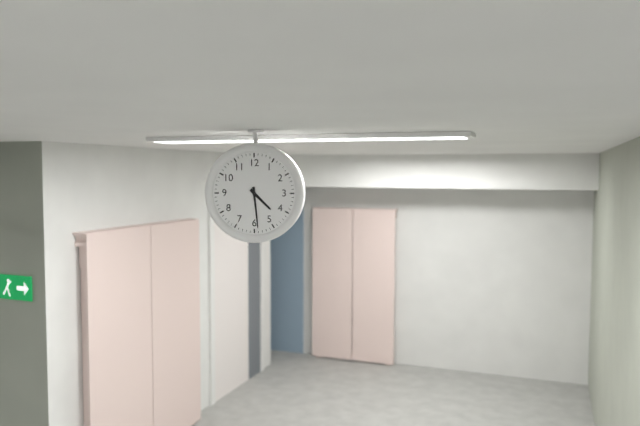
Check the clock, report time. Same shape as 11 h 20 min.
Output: 4 h 29 min
